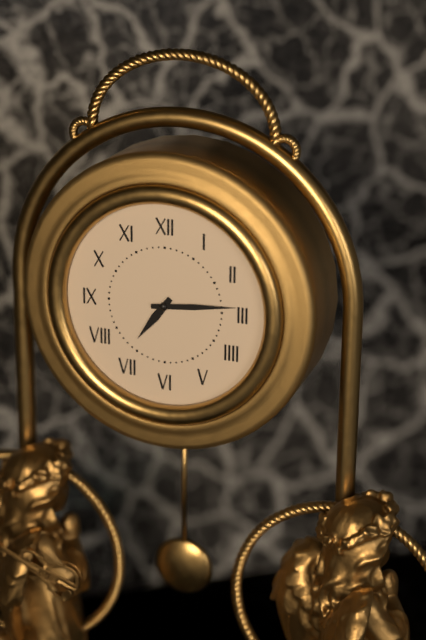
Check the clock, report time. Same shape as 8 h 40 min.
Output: 7 h 14 min
